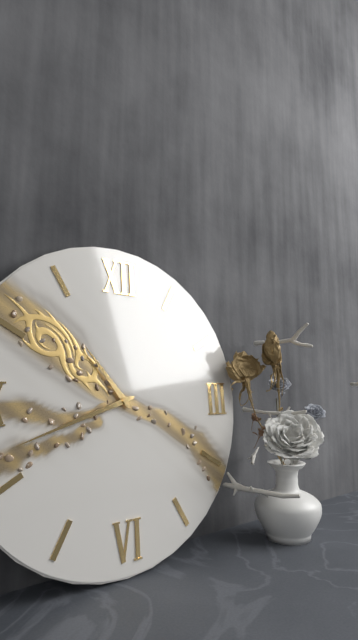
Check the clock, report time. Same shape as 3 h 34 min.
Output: 10 h 42 min
